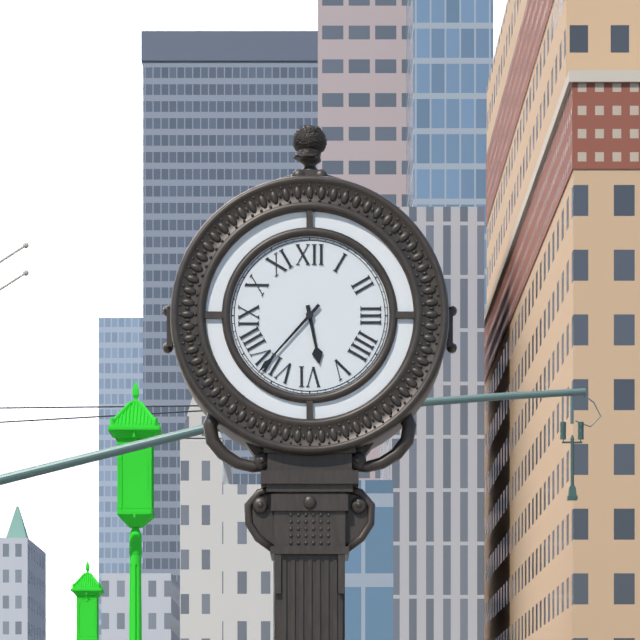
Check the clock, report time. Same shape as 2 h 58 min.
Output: 5 h 37 min
